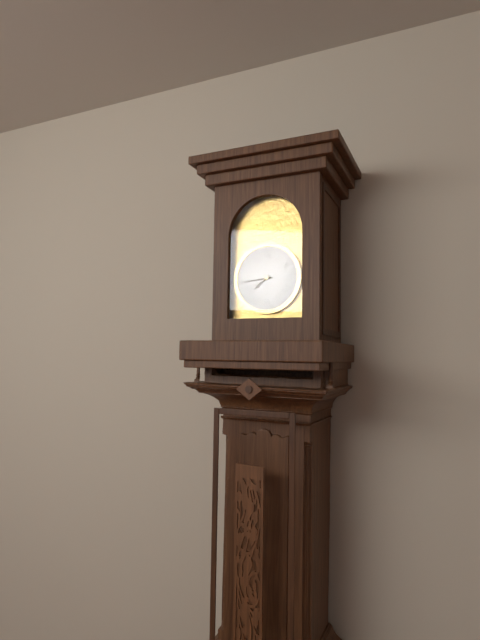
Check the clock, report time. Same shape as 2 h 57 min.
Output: 7 h 44 min
